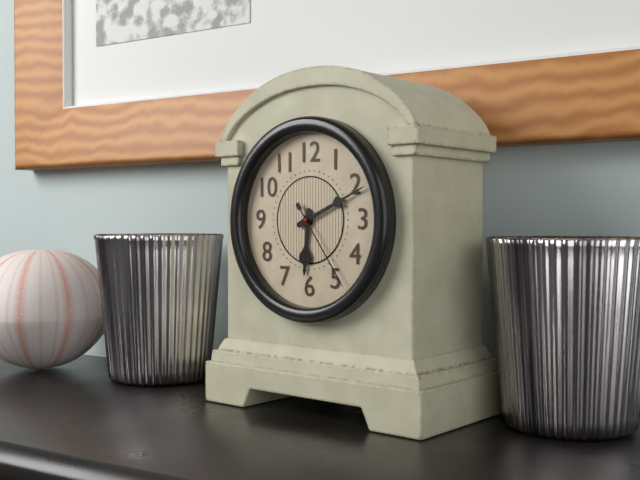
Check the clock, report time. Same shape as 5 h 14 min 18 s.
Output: 6 h 11 min 24 s
